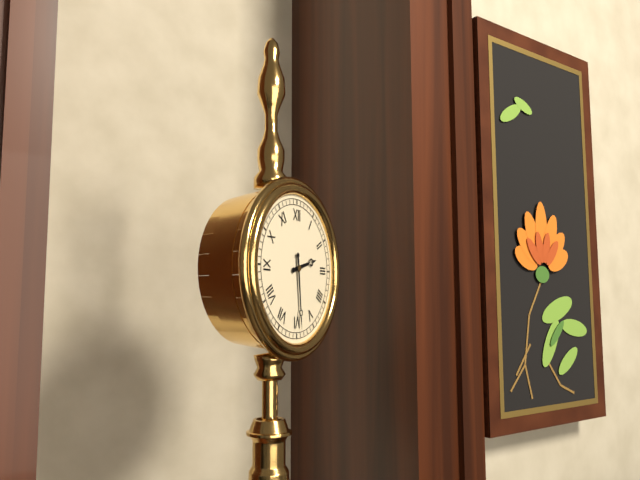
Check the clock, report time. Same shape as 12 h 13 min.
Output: 2 h 29 min
